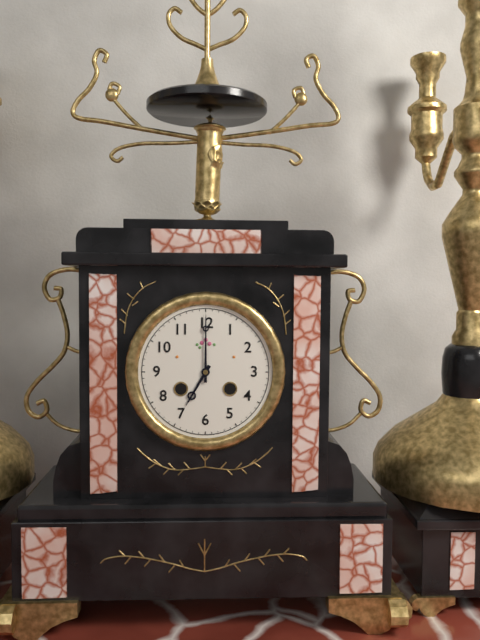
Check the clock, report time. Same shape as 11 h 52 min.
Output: 7 h 00 min
